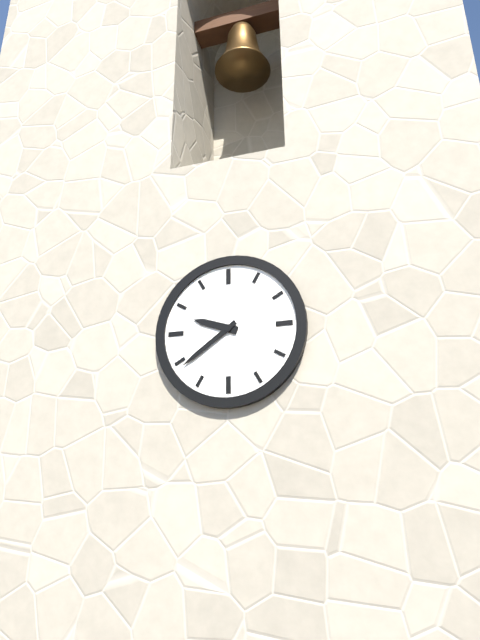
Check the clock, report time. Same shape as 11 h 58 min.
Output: 9 h 39 min
